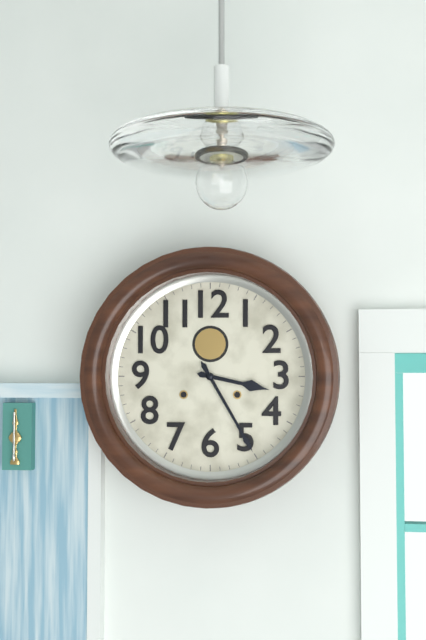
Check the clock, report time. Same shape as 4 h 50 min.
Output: 3 h 25 min
